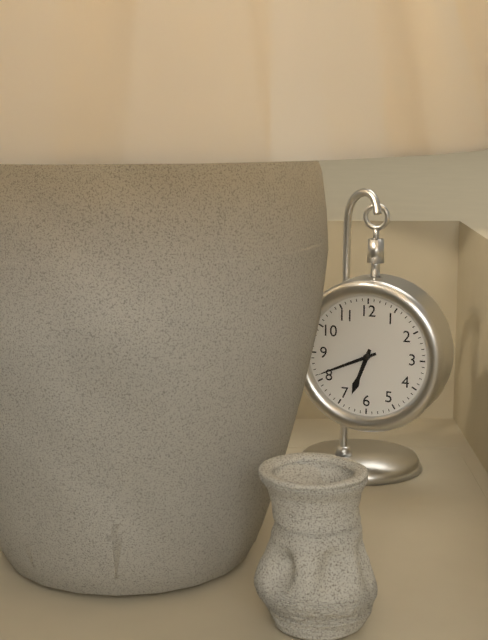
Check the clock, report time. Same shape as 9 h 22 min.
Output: 6 h 41 min
